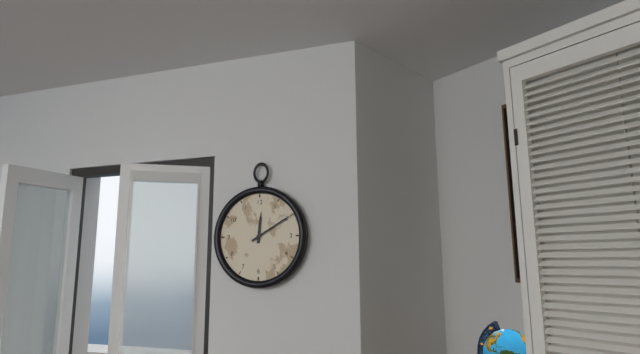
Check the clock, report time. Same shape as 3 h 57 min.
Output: 12 h 10 min
